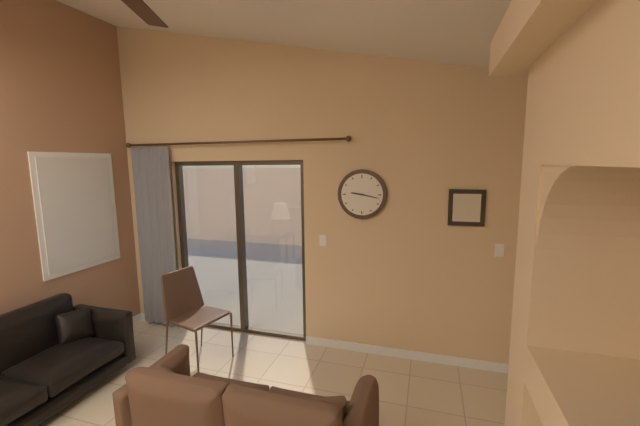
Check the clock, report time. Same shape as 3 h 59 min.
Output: 9 h 17 min
